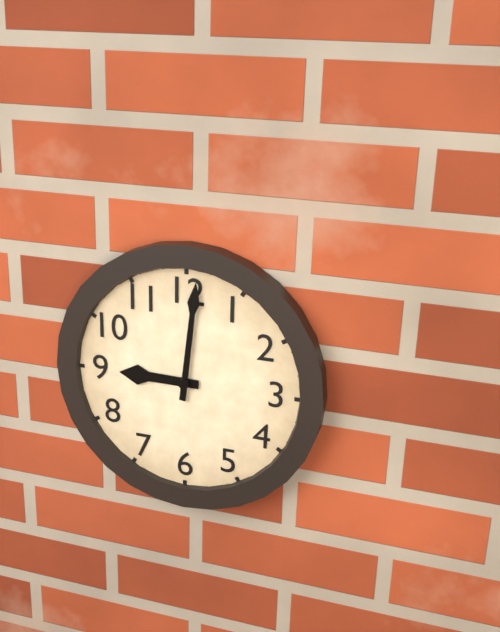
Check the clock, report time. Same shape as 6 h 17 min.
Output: 9 h 01 min
